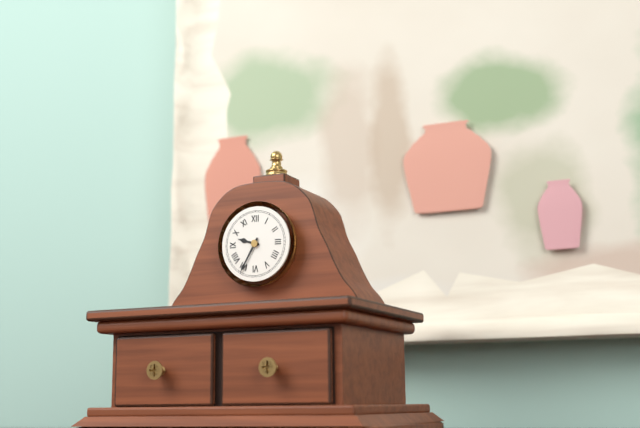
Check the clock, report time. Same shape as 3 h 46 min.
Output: 9 h 35 min
